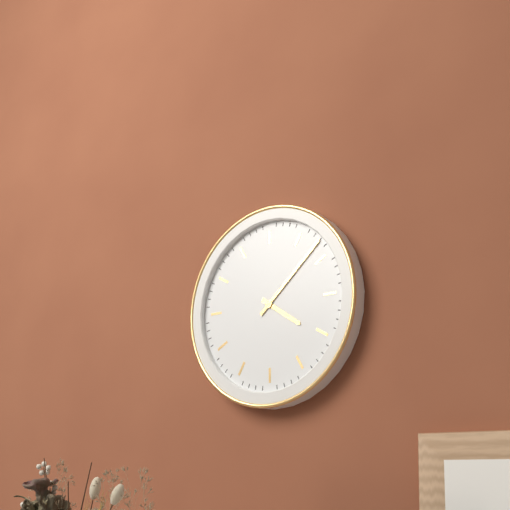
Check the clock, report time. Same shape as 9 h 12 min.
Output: 4 h 08 min
